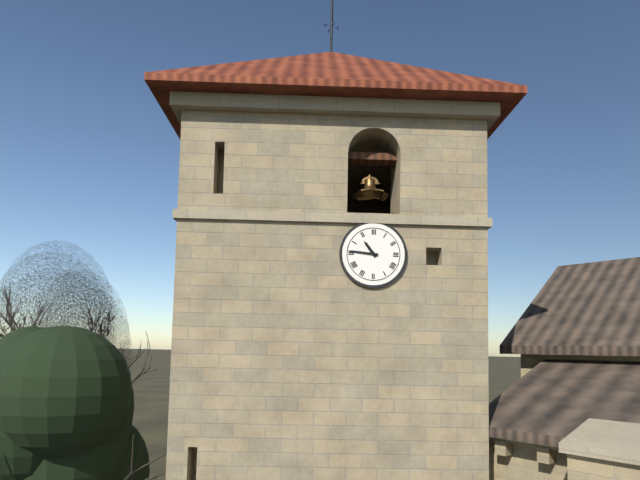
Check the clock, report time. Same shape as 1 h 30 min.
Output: 10 h 46 min
